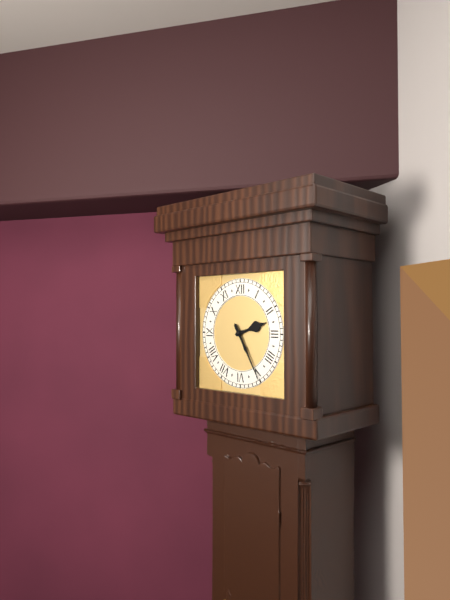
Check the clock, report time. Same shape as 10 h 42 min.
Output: 2 h 25 min
